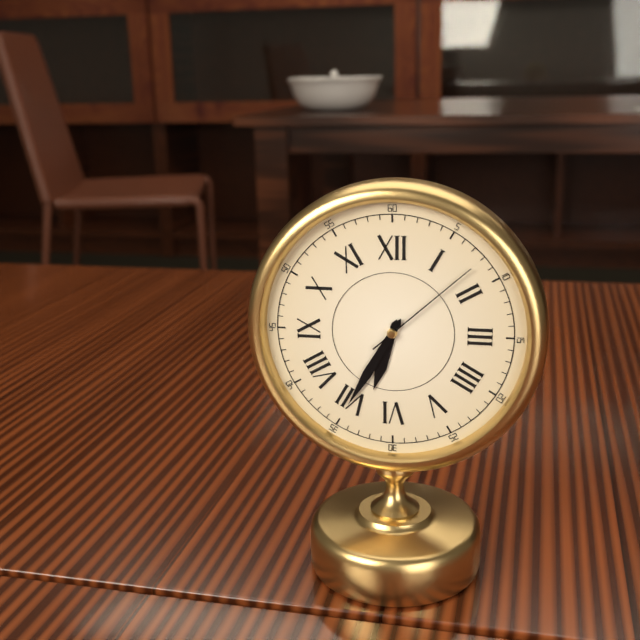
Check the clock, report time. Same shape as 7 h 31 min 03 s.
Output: 6 h 35 min 08 s
